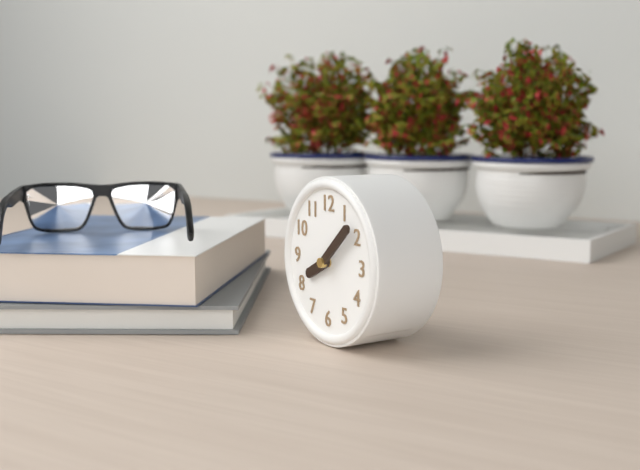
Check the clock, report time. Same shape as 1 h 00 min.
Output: 8 h 08 min
